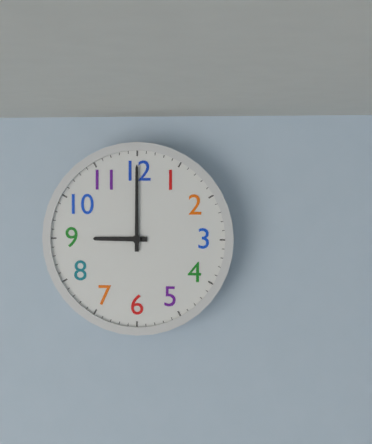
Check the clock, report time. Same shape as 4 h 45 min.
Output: 9 h 00 min
